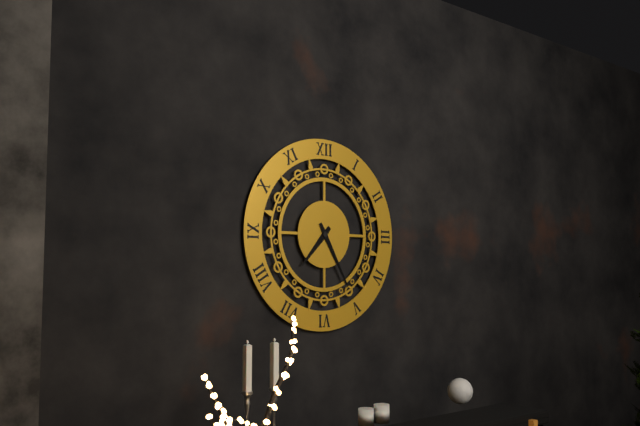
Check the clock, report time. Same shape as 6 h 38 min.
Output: 7 h 25 min
